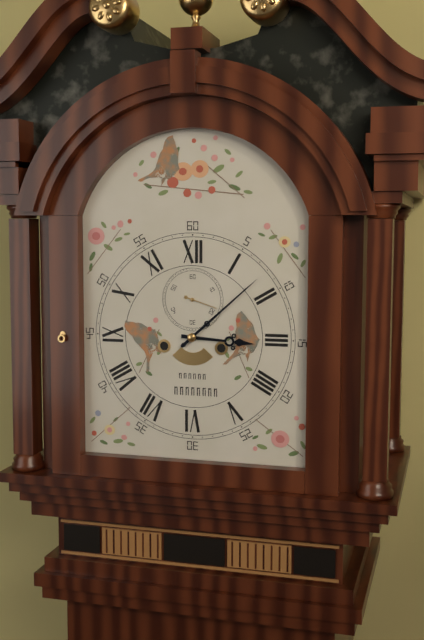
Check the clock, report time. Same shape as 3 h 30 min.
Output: 3 h 08 min
